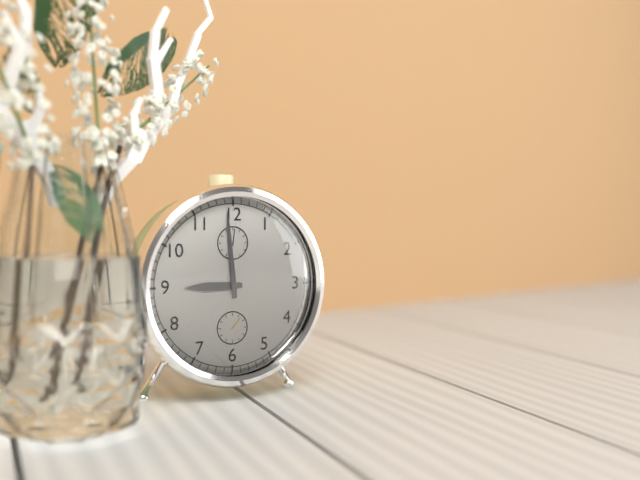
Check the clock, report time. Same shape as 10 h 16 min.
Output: 8 h 59 min
